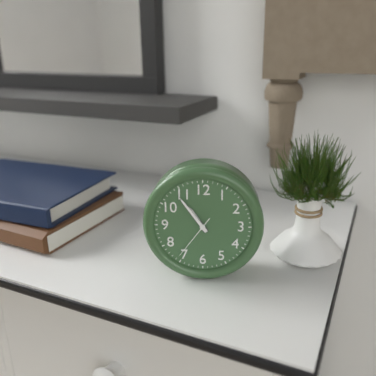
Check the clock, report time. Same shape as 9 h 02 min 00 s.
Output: 10 h 54 min 36 s
